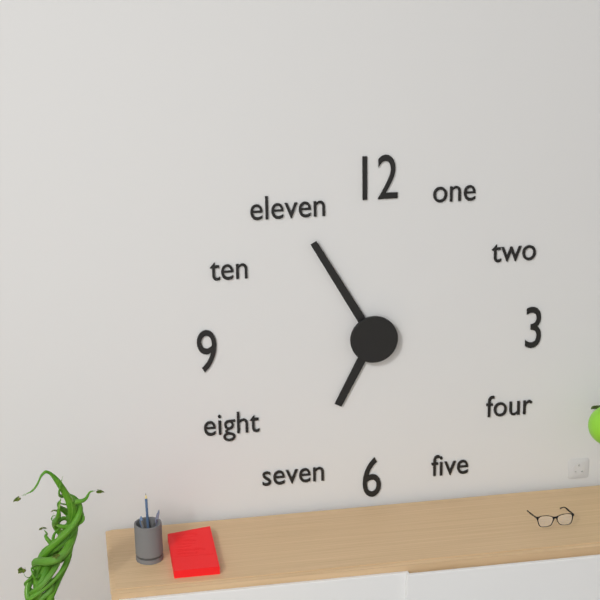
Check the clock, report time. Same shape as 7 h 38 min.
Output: 6 h 55 min
